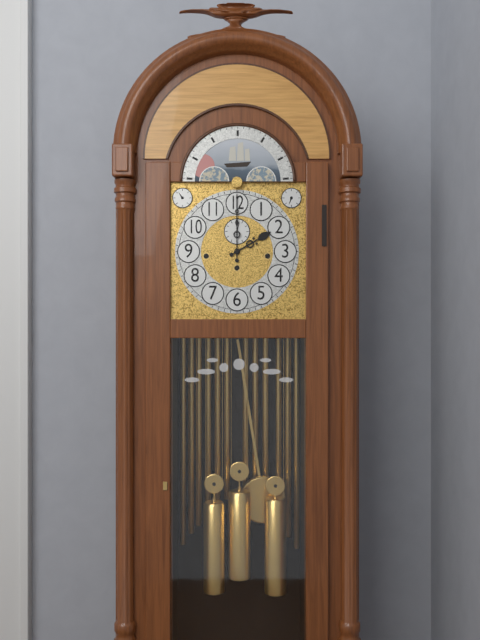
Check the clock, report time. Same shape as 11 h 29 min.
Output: 2 h 00 min
